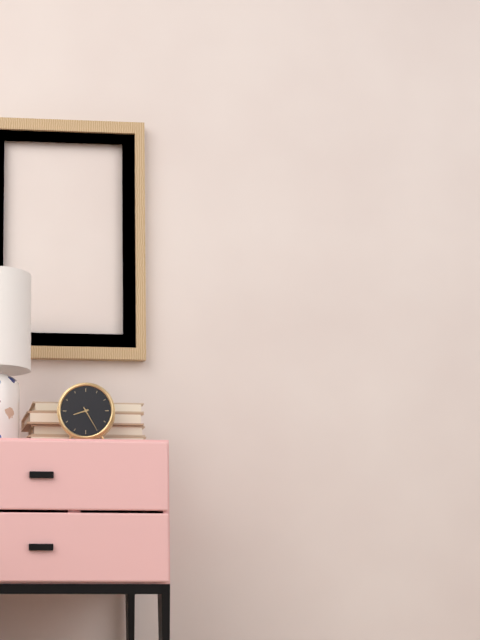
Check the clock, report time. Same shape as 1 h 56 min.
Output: 8 h 25 min
